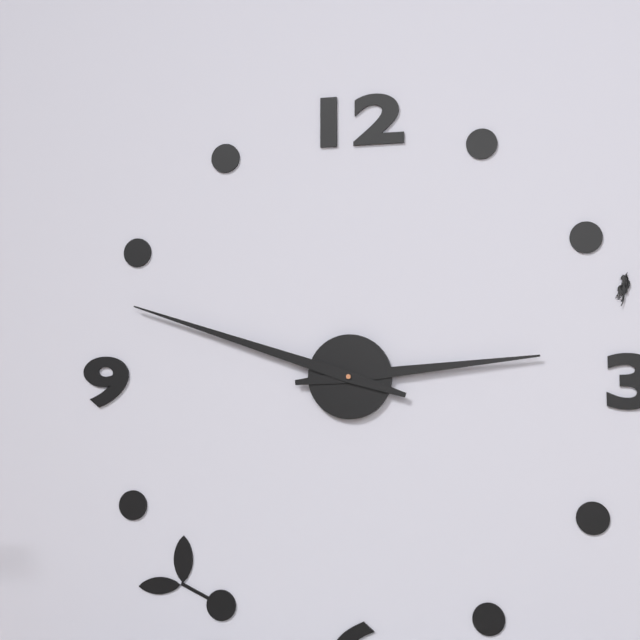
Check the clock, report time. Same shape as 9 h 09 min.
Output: 2 h 48 min
